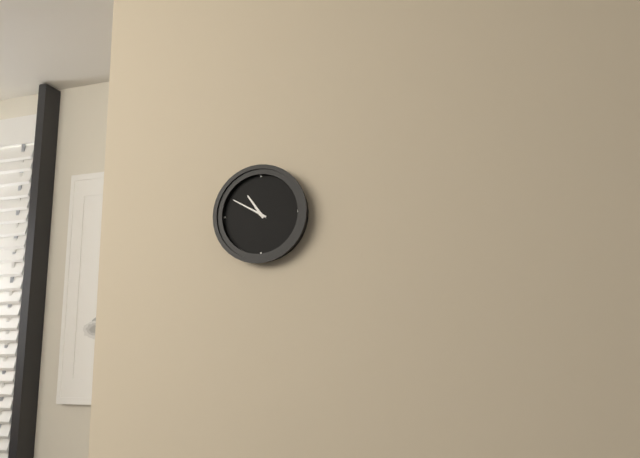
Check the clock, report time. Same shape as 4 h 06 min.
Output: 10 h 50 min
